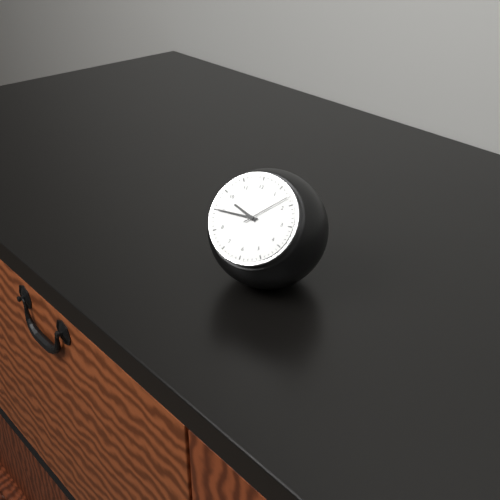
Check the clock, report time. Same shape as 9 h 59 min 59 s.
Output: 9 h 45 min 08 s
